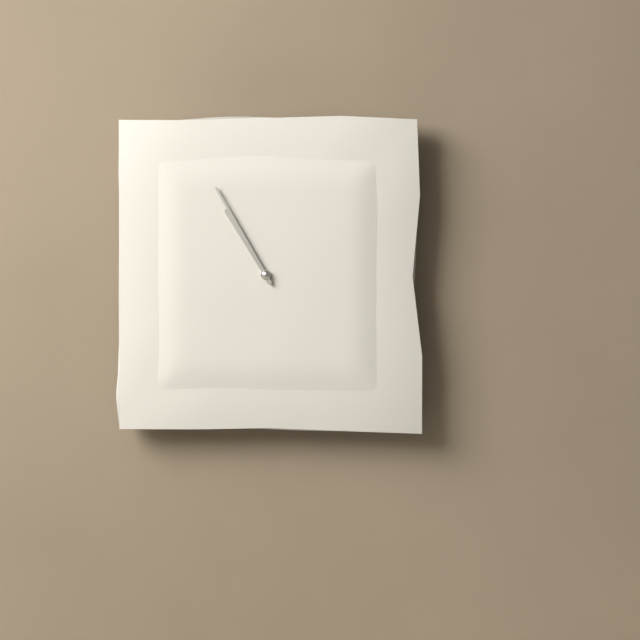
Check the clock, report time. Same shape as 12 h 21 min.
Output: 10 h 55 min
